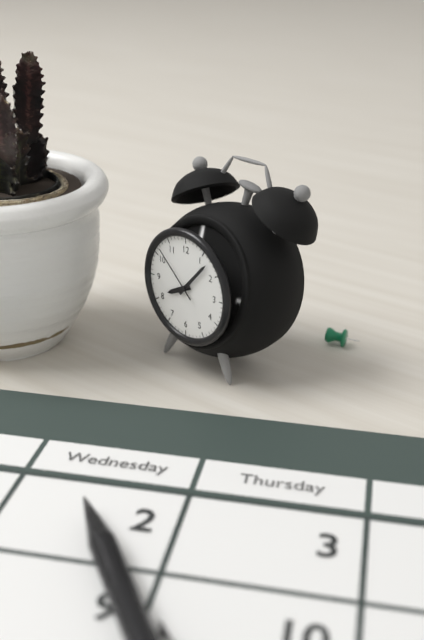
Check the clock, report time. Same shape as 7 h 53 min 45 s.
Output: 8 h 07 min 52 s
